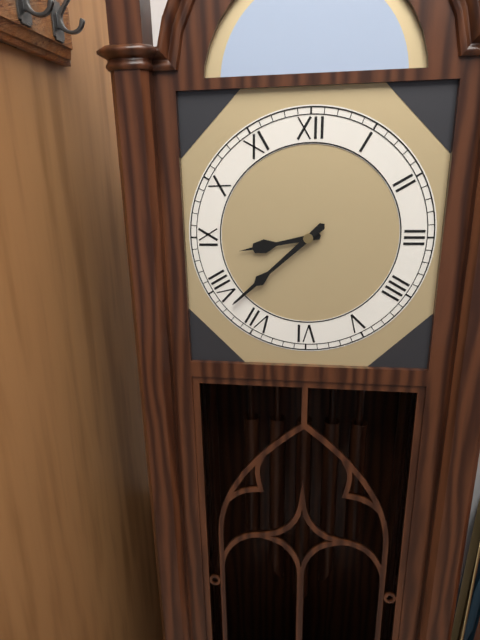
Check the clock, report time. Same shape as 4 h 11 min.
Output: 8 h 38 min
